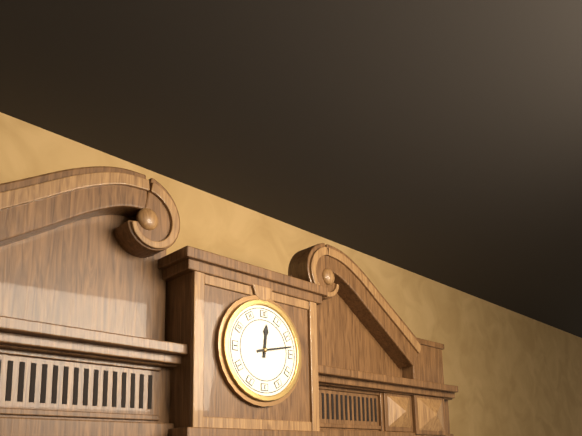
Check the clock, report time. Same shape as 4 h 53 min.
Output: 12 h 13 min
